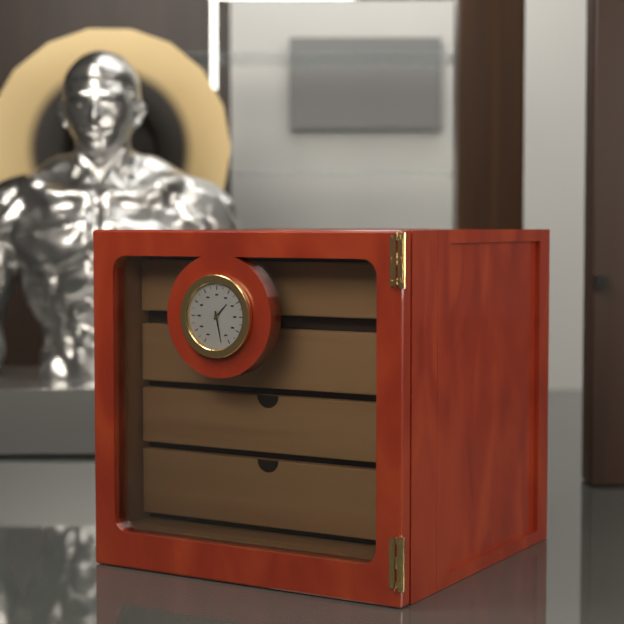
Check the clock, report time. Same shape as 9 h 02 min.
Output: 1 h 28 min
